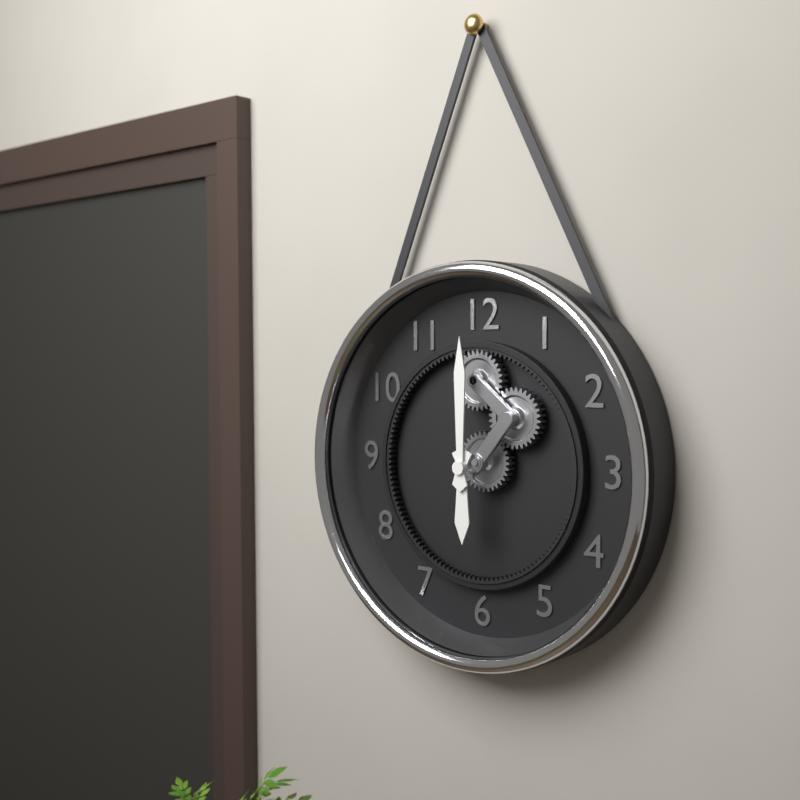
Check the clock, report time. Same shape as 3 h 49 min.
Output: 6 h 00 min
